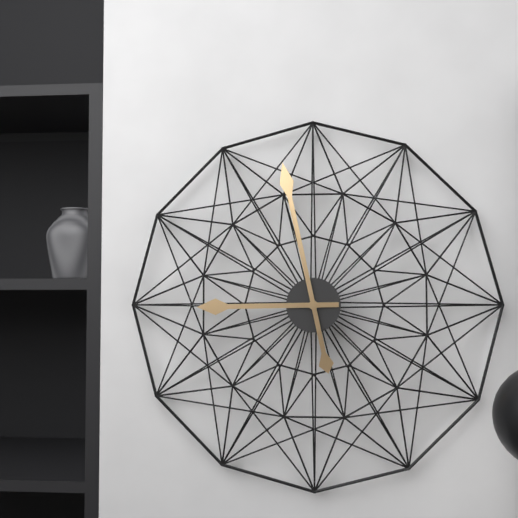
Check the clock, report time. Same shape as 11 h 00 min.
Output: 8 h 58 min
